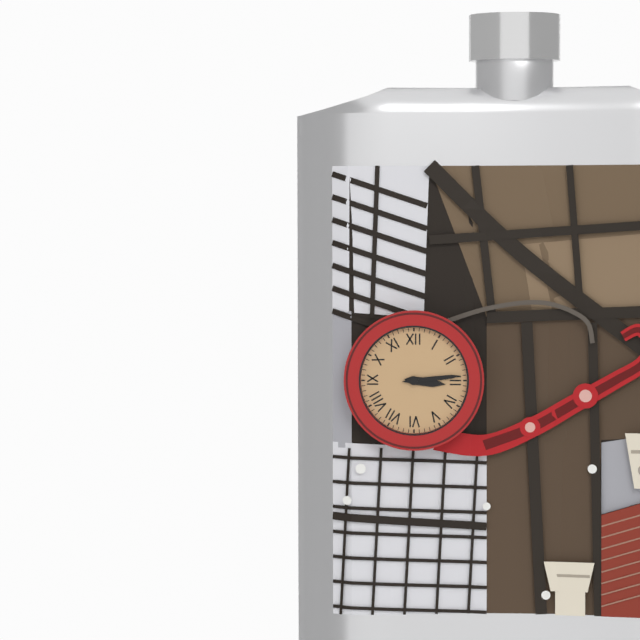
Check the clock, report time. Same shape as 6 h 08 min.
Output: 3 h 14 min
